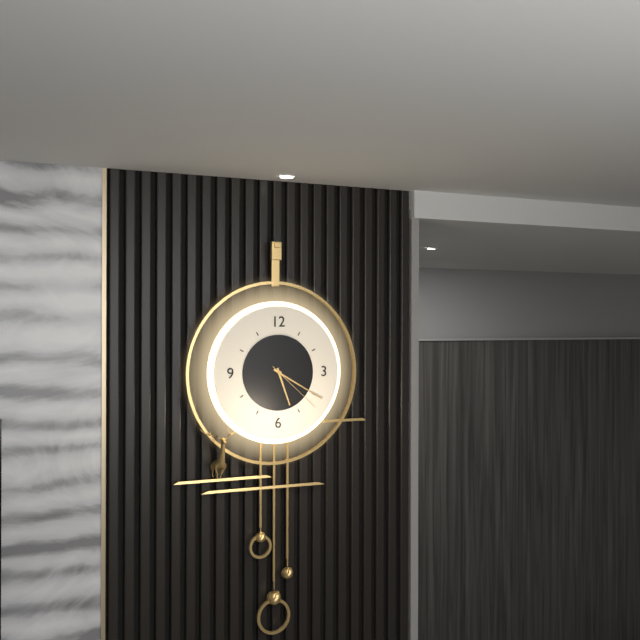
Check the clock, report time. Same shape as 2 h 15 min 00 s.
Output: 5 h 20 min 22 s
